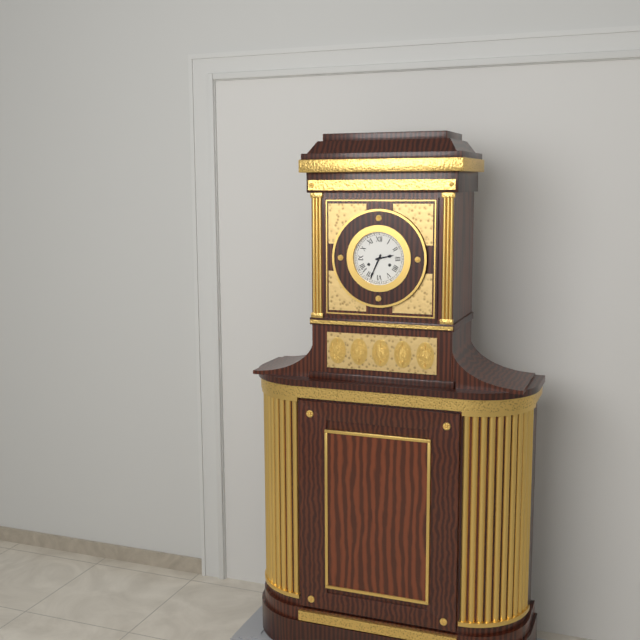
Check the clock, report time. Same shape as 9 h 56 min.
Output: 2 h 34 min
